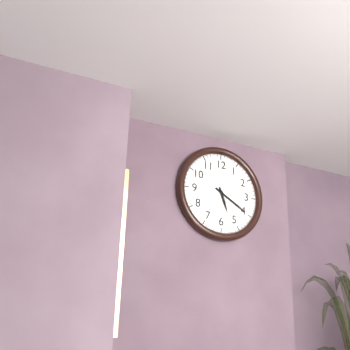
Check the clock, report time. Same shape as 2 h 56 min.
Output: 5 h 20 min
